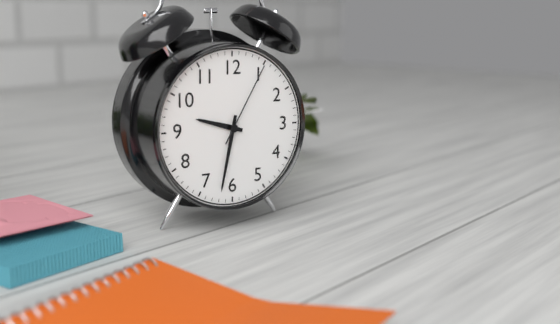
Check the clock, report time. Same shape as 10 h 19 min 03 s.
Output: 9 h 32 min 05 s
